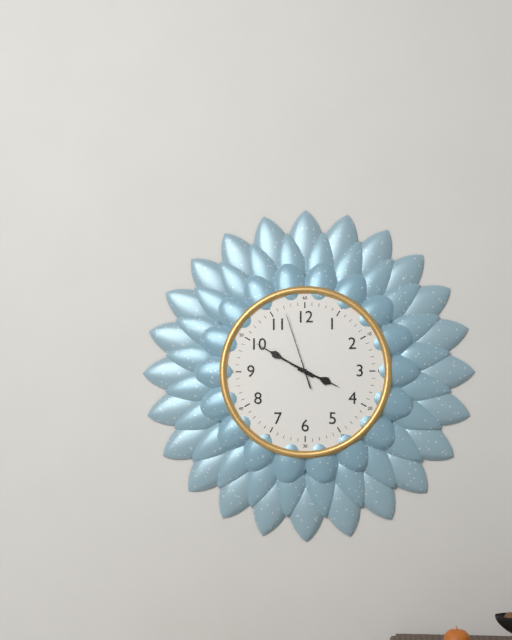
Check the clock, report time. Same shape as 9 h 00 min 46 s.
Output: 3 h 50 min 57 s
